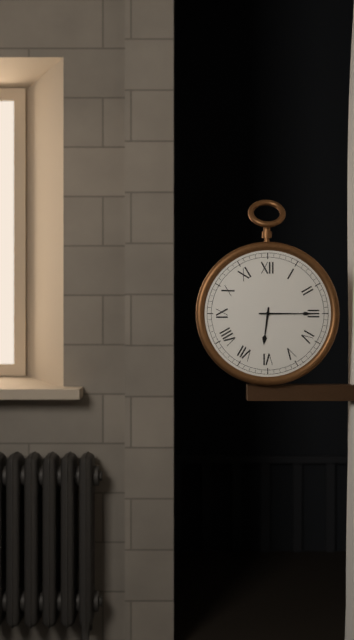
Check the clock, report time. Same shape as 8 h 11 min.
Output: 6 h 15 min
